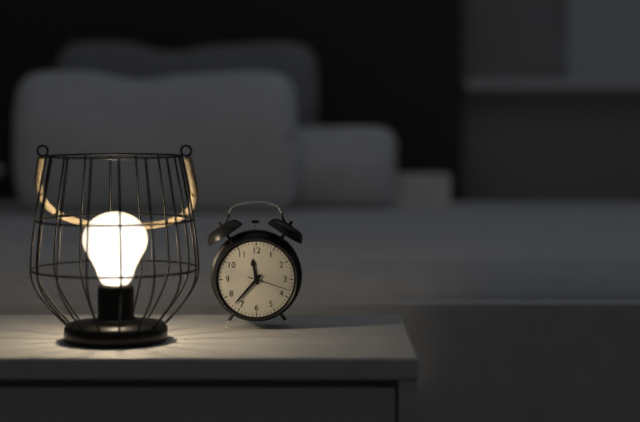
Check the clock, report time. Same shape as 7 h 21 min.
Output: 11 h 37 min
